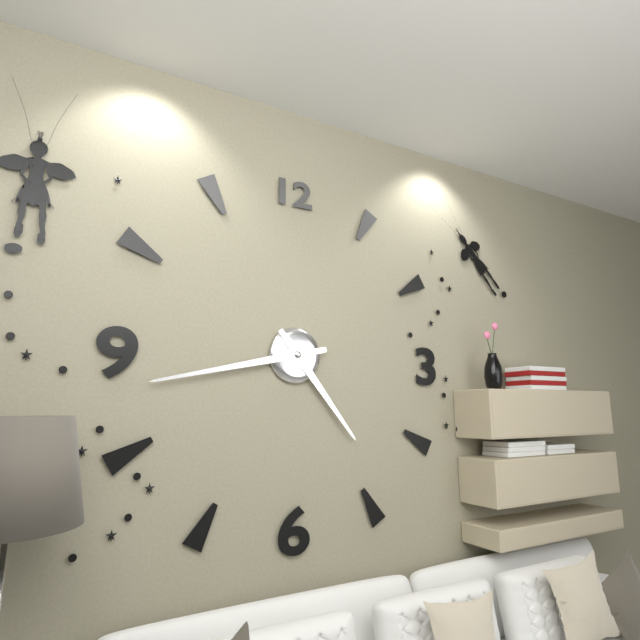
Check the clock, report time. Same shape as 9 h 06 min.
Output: 4 h 43 min
